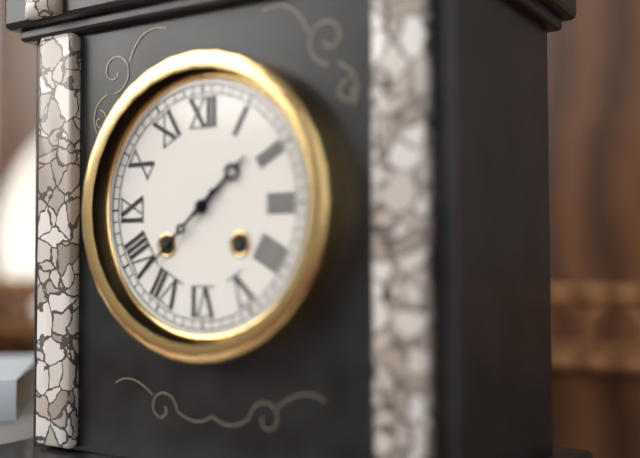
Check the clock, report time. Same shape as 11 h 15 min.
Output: 1 h 38 min
